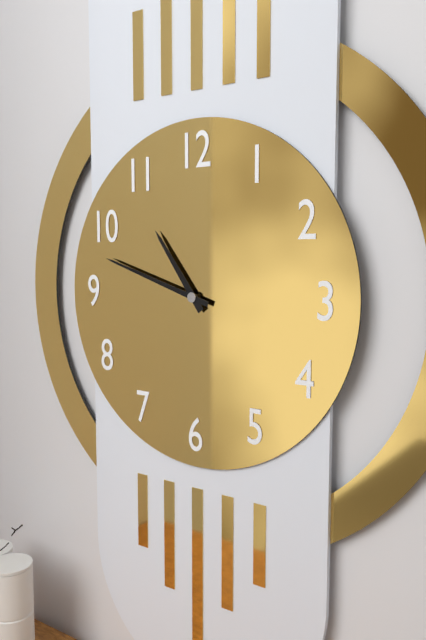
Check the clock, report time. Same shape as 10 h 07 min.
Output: 10 h 48 min
